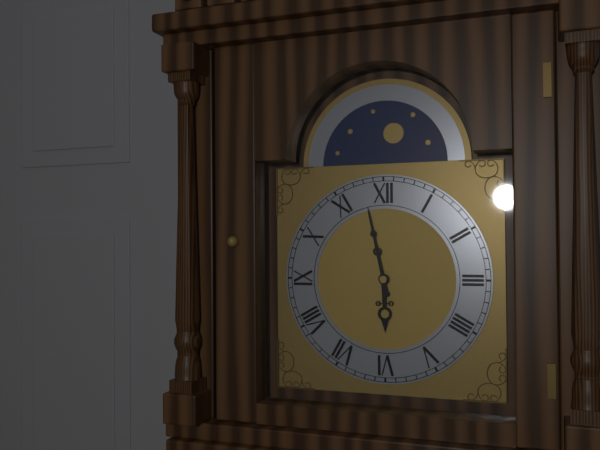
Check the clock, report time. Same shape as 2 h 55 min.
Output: 5 h 58 min
